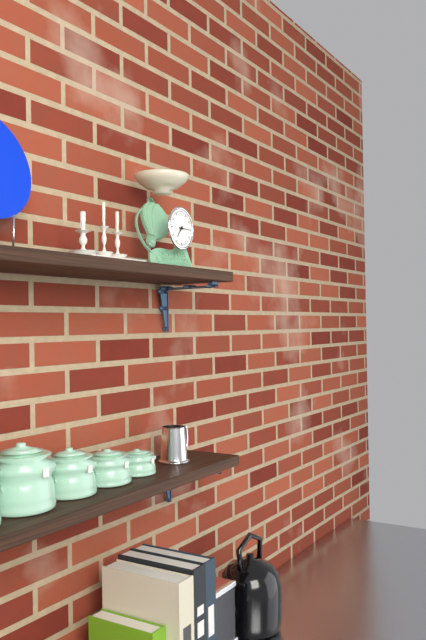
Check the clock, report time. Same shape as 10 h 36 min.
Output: 7 h 15 min
